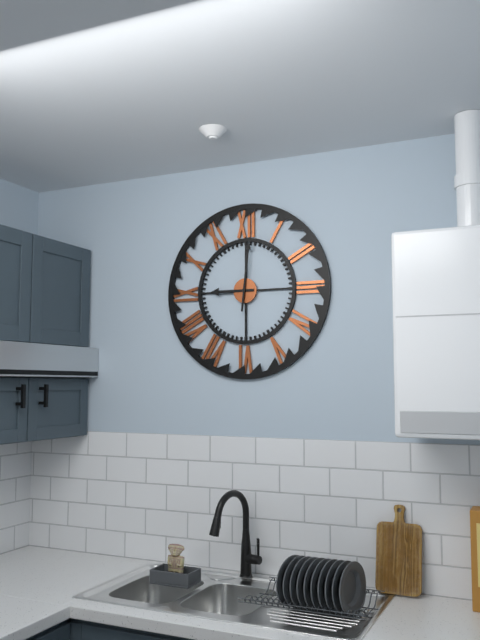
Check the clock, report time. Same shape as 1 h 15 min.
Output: 9 h 01 min
